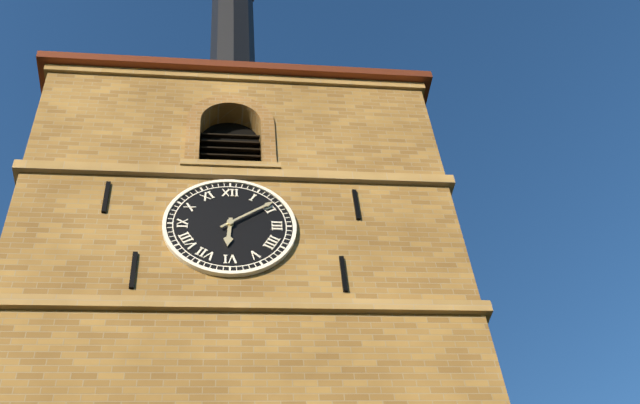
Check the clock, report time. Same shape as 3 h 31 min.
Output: 6 h 09 min
